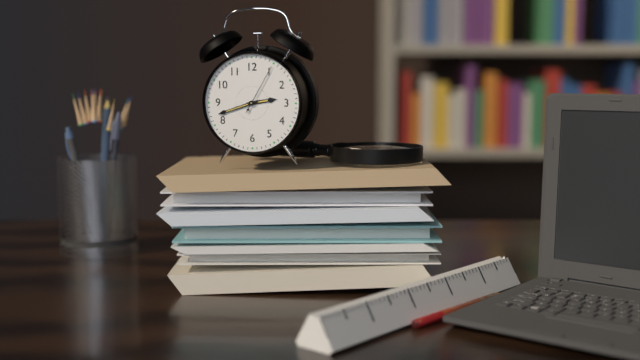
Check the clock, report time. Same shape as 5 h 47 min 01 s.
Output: 2 h 42 min 05 s
